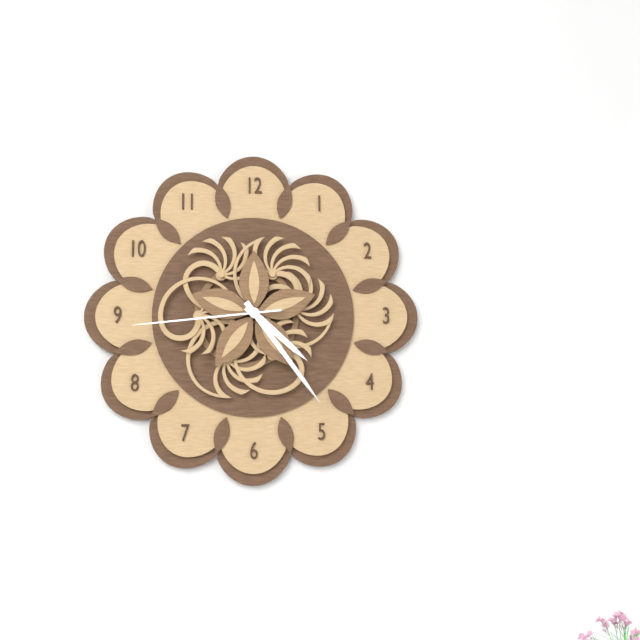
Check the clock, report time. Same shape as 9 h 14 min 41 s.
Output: 4 h 24 min 44 s
